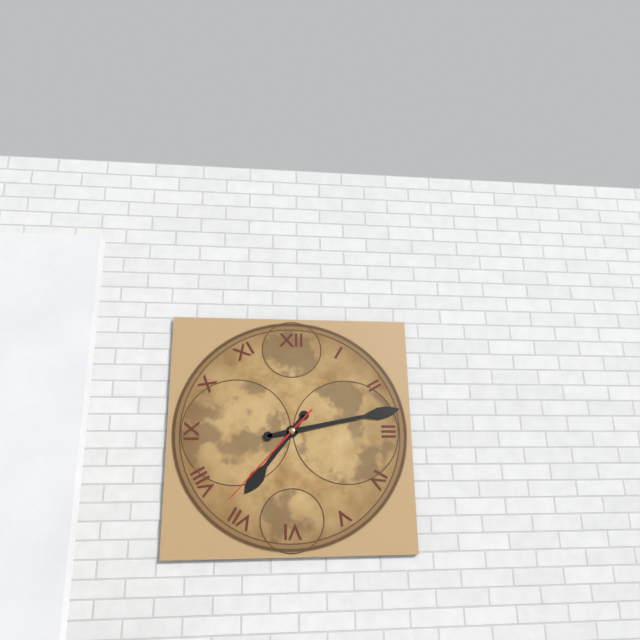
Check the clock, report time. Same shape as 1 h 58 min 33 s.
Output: 7 h 13 min 37 s
